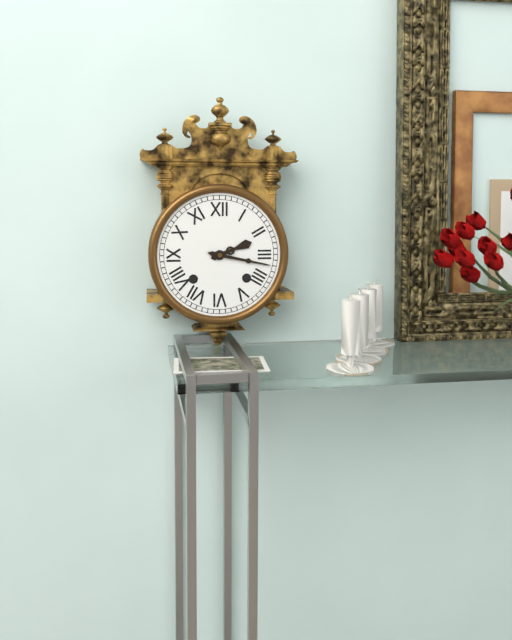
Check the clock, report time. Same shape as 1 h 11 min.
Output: 2 h 17 min
